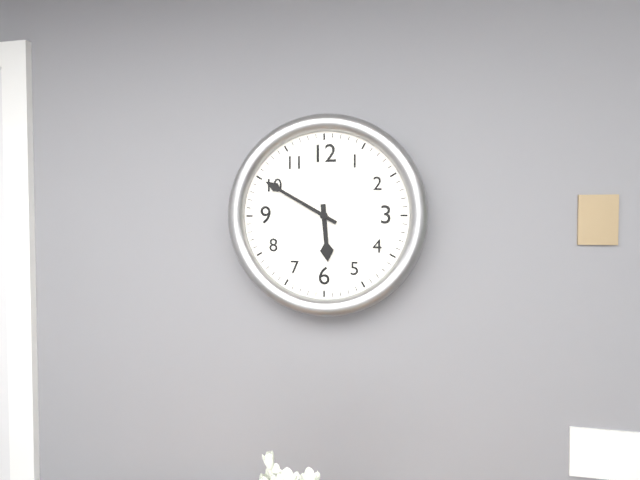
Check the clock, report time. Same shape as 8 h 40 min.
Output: 5 h 50 min
